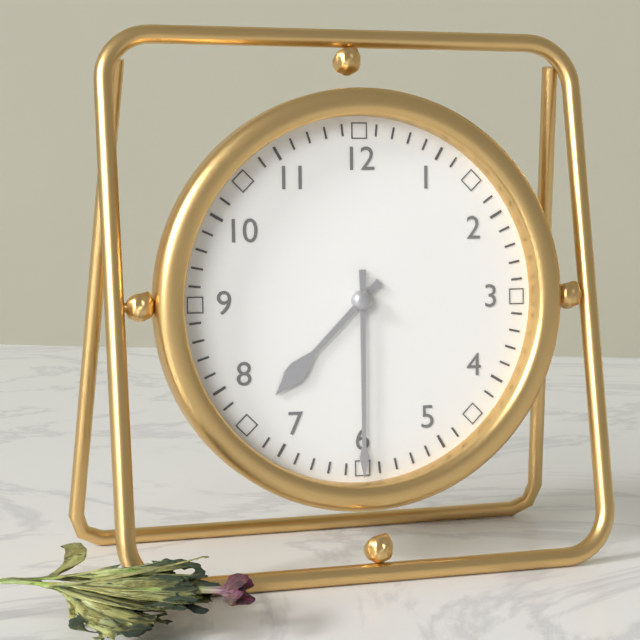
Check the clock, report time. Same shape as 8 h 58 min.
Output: 7 h 30 min
